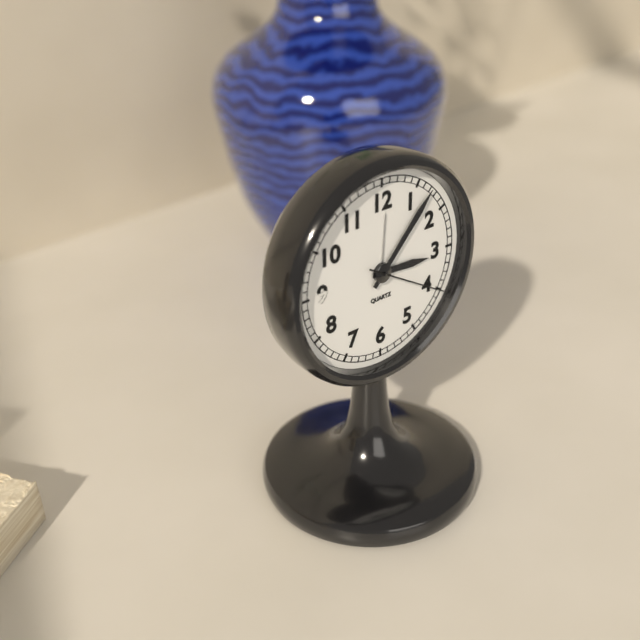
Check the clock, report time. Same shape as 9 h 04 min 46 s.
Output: 3 h 07 min 20 s
